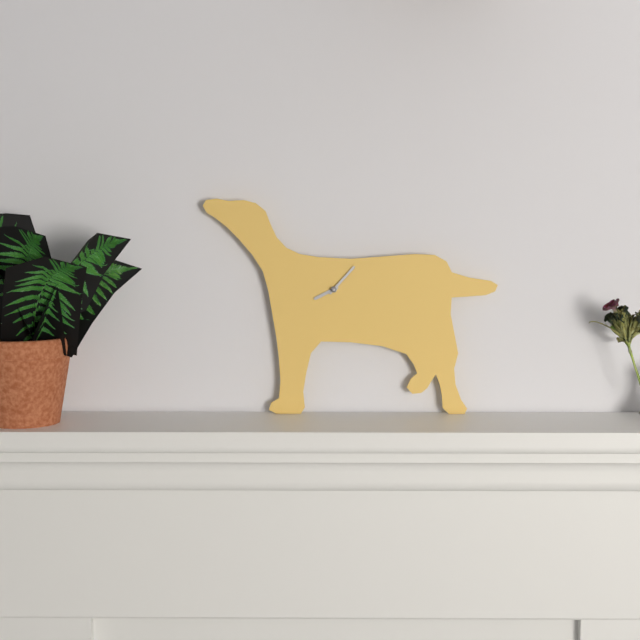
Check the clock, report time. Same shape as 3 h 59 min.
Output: 8 h 07 min
